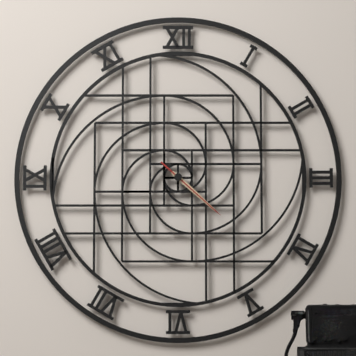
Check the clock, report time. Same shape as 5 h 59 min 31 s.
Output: 4 h 22 min 22 s
